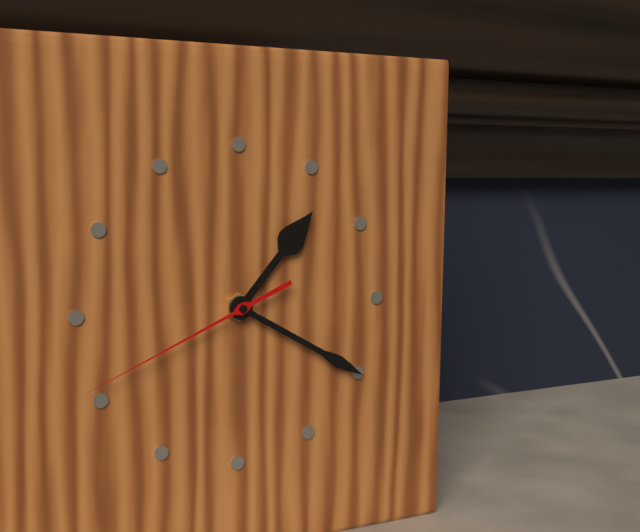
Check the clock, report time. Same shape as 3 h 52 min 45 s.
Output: 1 h 20 min 41 s
